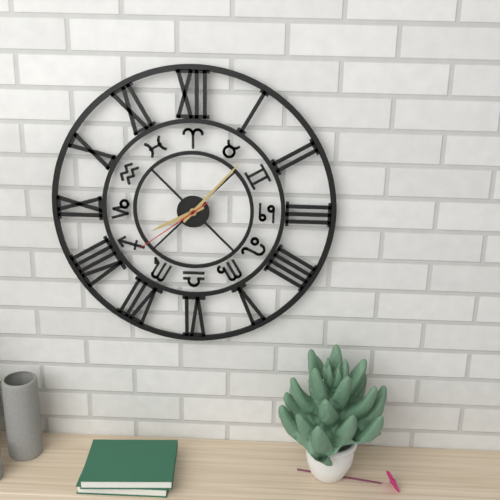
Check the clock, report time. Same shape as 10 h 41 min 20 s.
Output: 8 h 07 min 39 s
